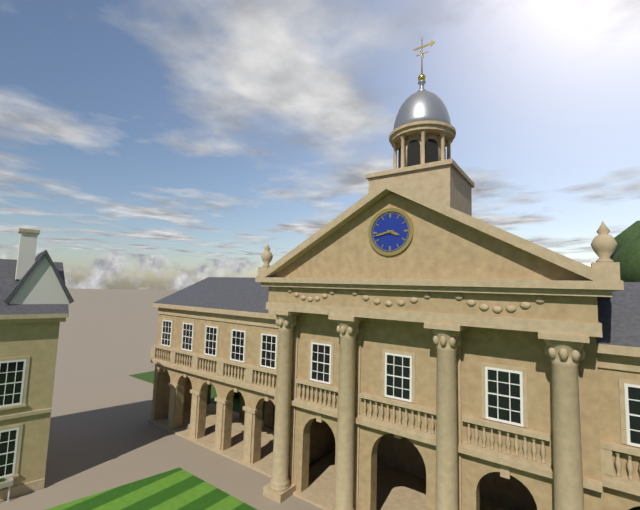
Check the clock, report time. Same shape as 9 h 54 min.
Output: 3 h 43 min
